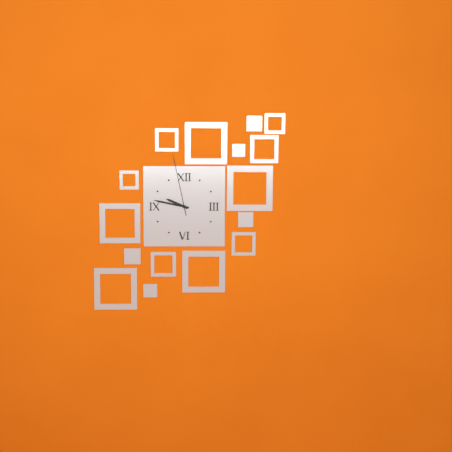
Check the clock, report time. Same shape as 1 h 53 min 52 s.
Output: 9 h 47 min 58 s
